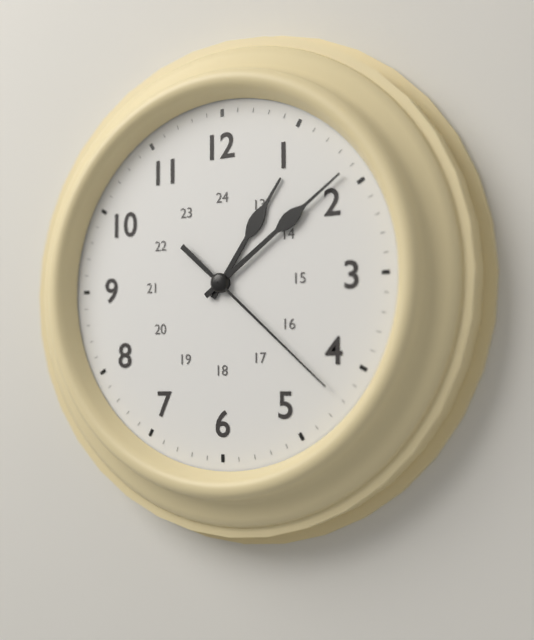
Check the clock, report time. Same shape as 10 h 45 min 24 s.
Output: 1 h 09 min 22 s
